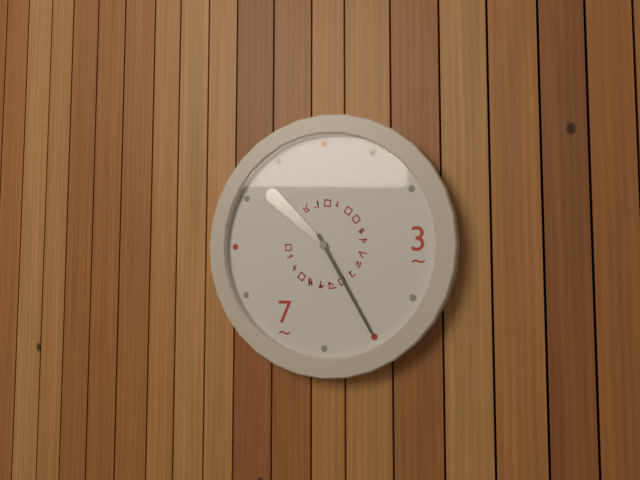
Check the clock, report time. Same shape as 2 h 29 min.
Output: 10 h 25 min
